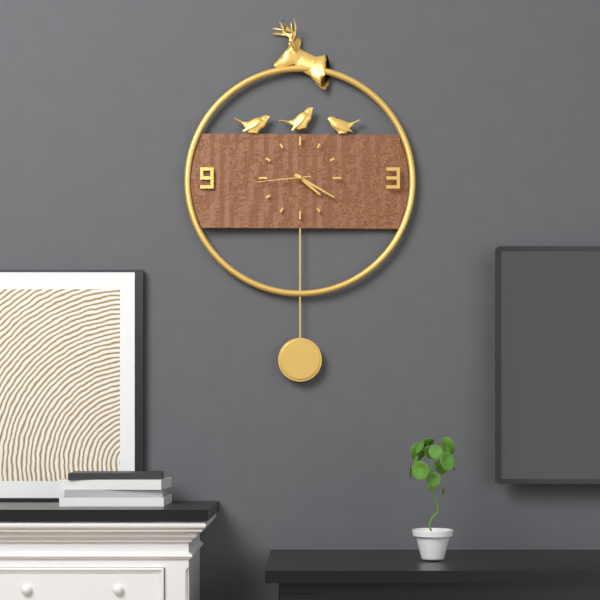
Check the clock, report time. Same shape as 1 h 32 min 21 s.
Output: 4 h 20 min 44 s
